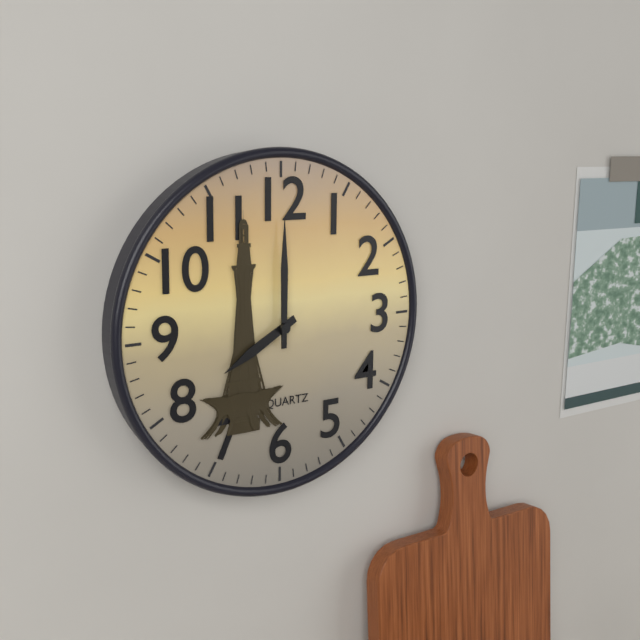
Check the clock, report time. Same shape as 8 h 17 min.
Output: 8 h 00 min
